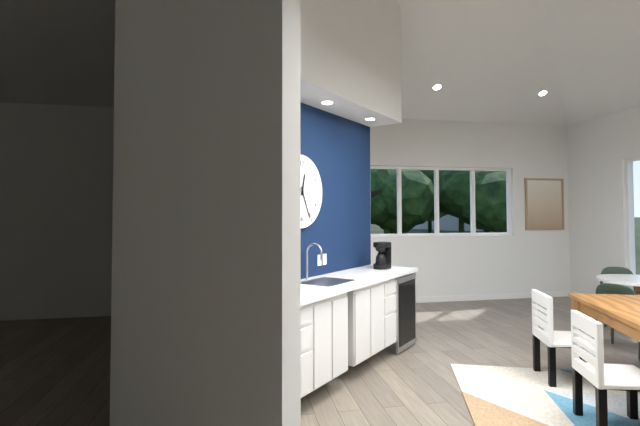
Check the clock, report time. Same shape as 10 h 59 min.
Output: 12 h 26 min
